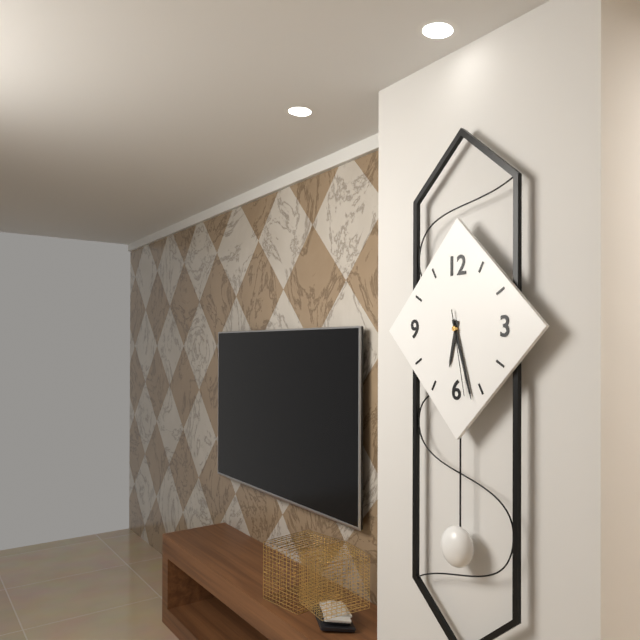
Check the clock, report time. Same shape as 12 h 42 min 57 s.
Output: 6 h 27 min 28 s
